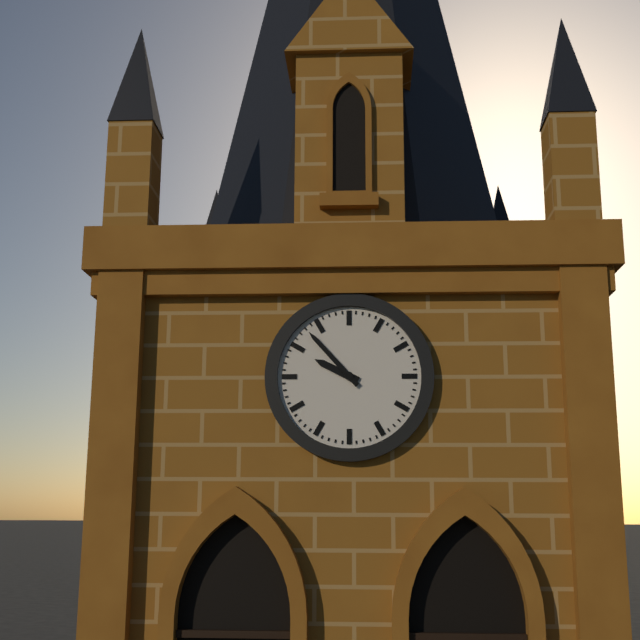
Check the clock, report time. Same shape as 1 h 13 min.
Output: 9 h 53 min
